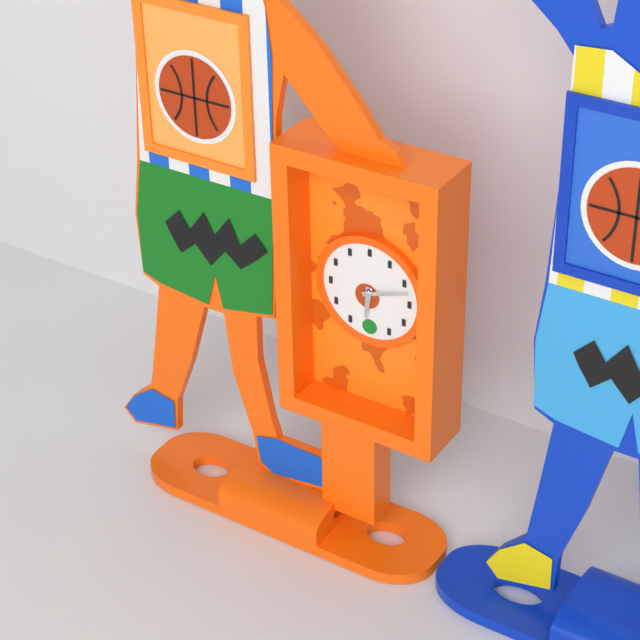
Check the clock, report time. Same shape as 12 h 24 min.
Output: 6 h 12 min
